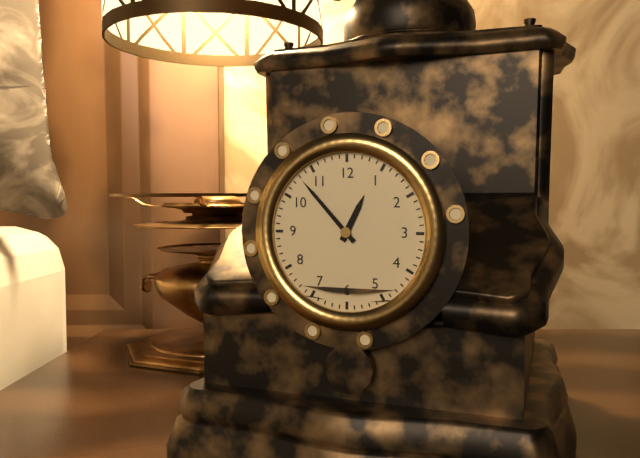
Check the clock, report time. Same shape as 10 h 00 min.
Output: 12 h 53 min
